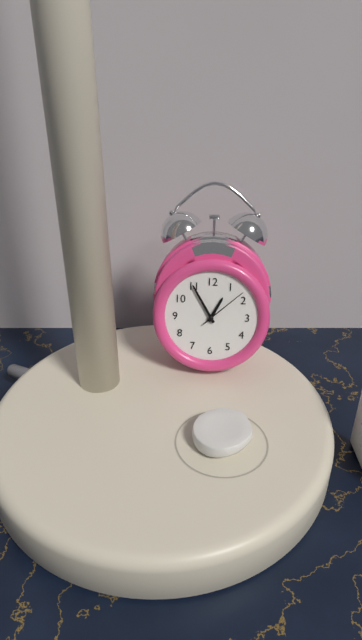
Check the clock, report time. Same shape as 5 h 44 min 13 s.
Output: 12 h 55 min 08 s
